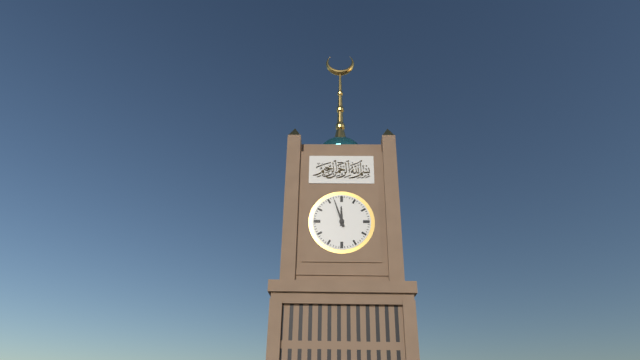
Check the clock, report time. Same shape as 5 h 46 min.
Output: 11 h 57 min
